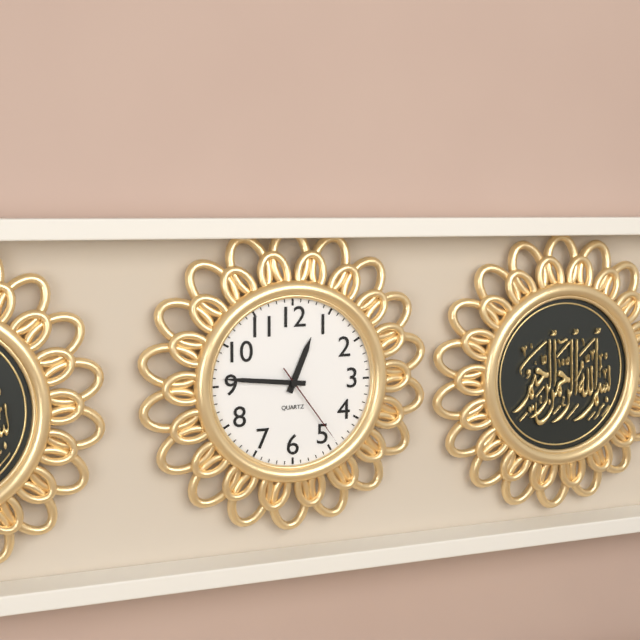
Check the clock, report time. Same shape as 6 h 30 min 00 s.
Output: 12 h 46 min 24 s
